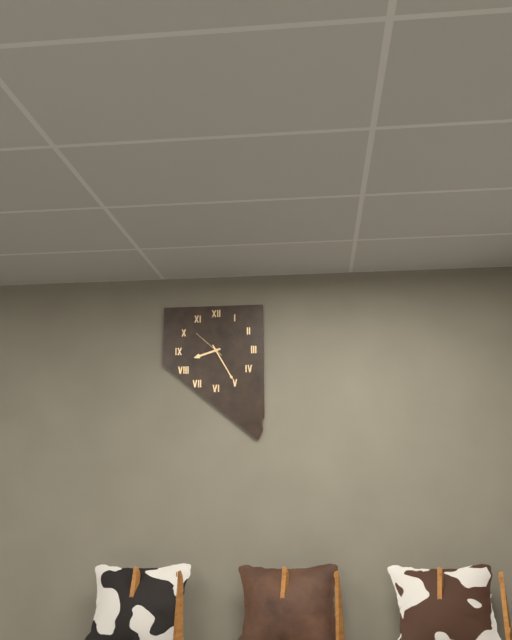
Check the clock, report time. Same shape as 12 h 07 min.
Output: 8 h 25 min
